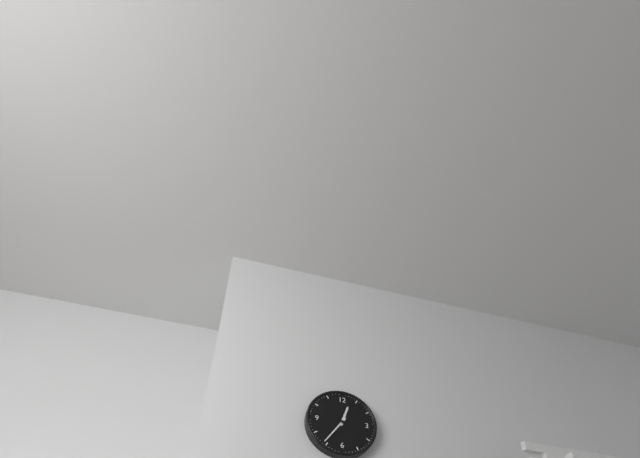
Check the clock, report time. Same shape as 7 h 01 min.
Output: 12 h 36 min
